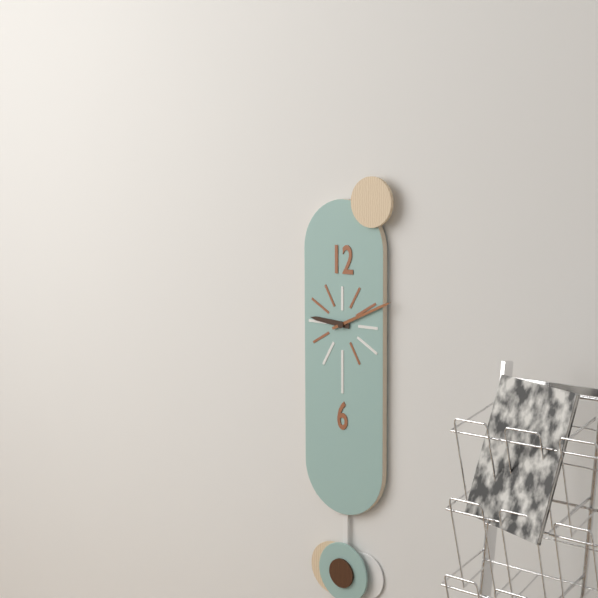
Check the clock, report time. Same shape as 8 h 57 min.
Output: 9 h 11 min
